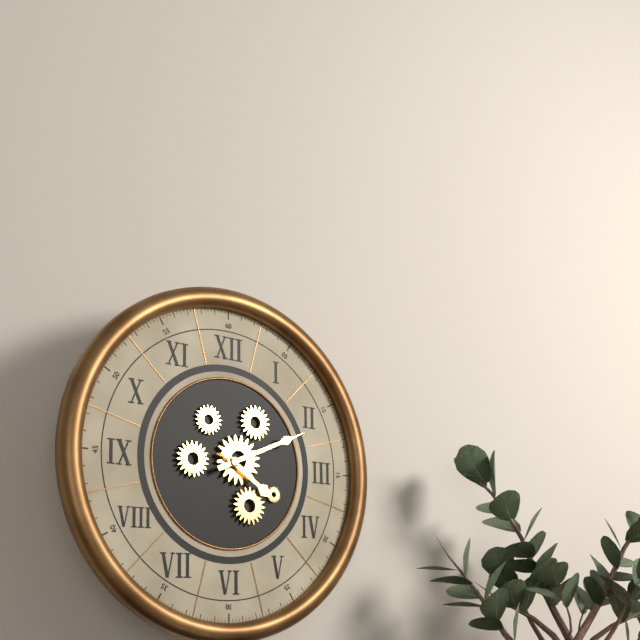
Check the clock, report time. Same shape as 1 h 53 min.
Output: 4 h 11 min
